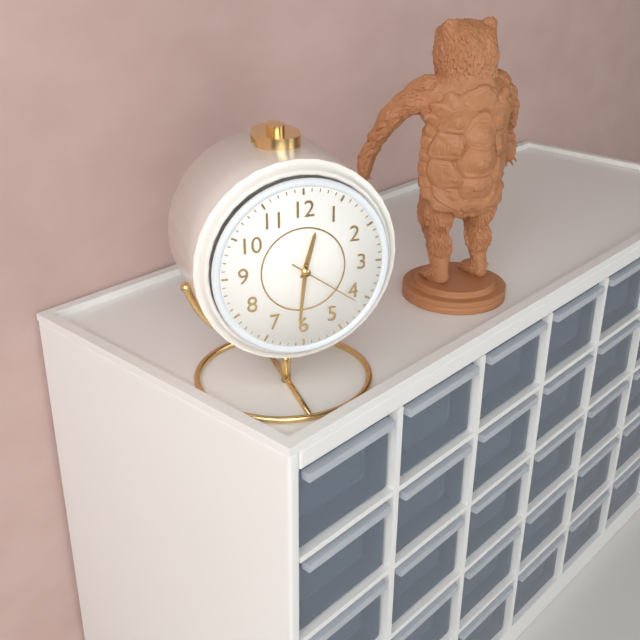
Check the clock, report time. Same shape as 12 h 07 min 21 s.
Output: 12 h 31 min 21 s
